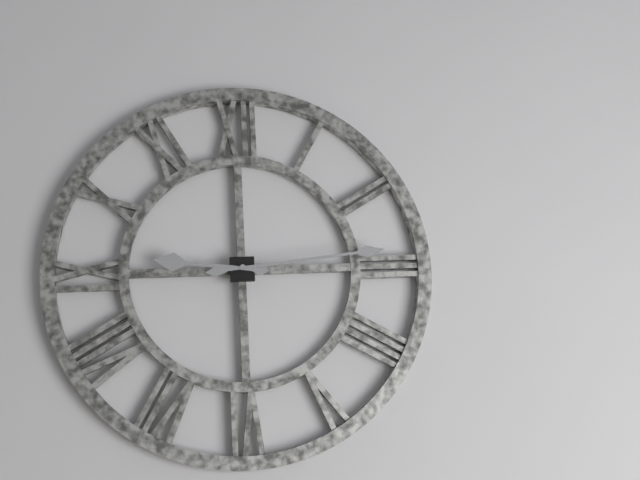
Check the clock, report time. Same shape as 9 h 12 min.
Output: 9 h 14 min
